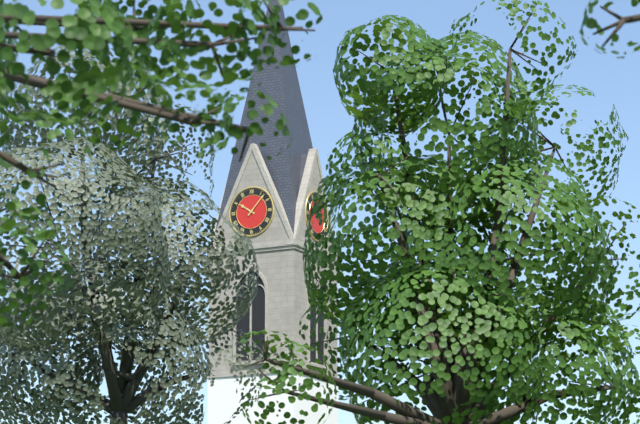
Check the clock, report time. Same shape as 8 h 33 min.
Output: 10 h 07 min
